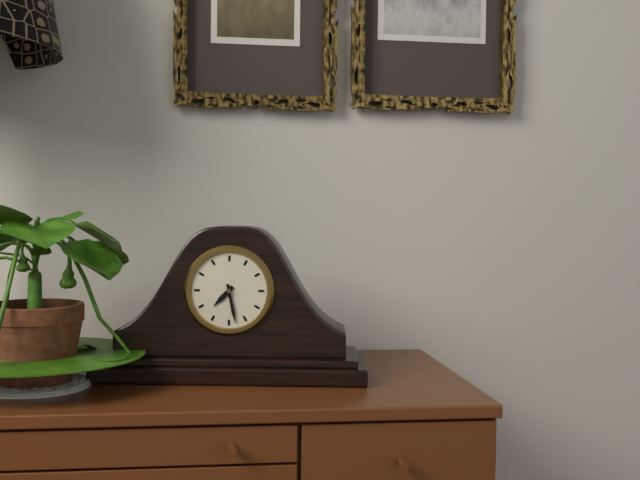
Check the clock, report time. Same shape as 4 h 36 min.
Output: 7 h 28 min
